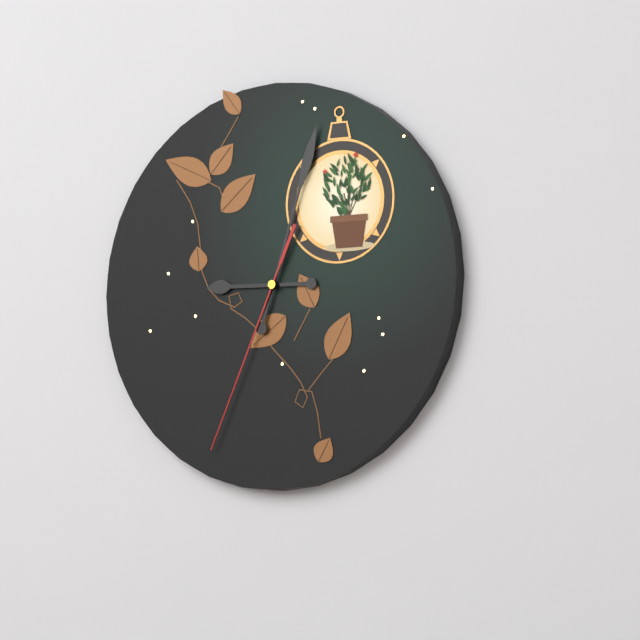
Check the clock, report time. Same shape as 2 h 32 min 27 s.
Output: 9 h 03 min 34 s
